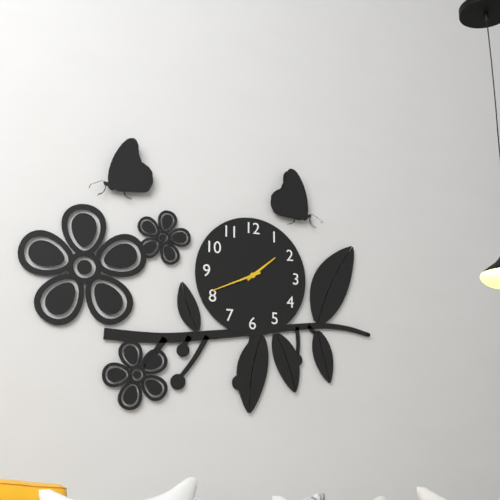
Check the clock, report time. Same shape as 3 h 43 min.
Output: 1 h 41 min
